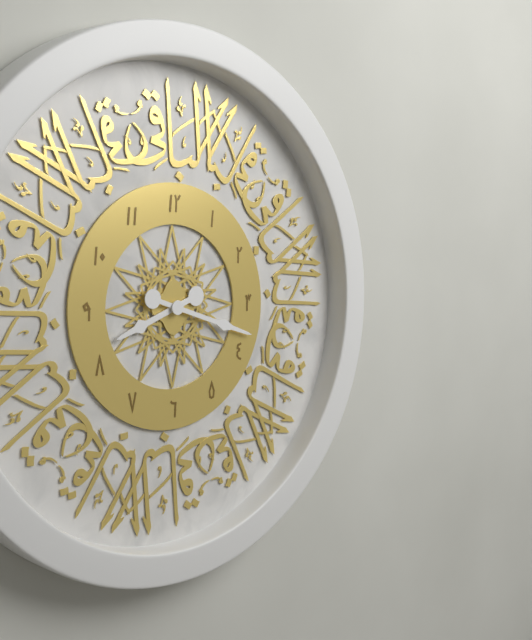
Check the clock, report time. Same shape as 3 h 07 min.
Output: 8 h 18 min
